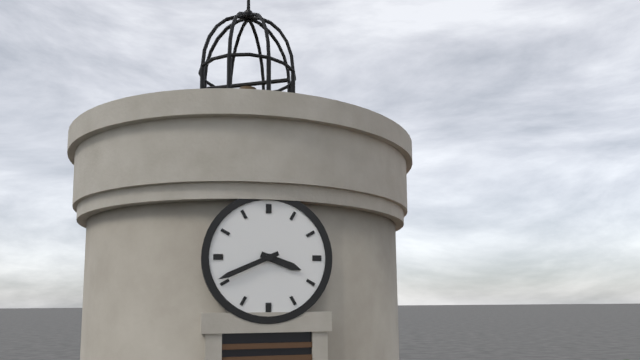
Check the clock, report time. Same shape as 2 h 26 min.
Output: 3 h 41 min
